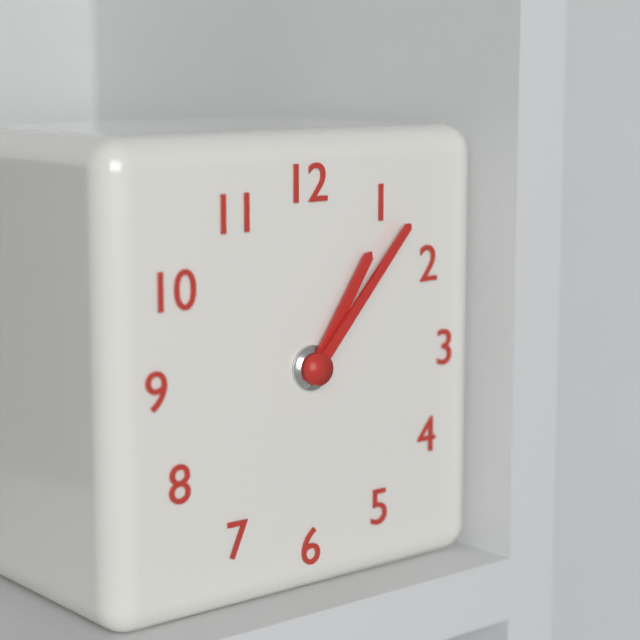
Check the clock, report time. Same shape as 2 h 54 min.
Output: 1 h 07 min
